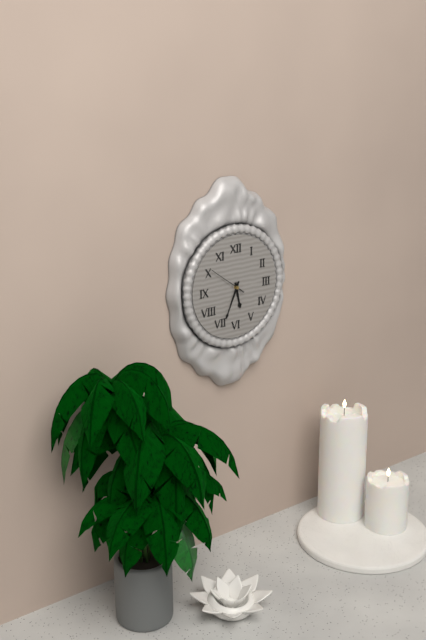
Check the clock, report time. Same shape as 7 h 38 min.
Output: 5 h 34 min
